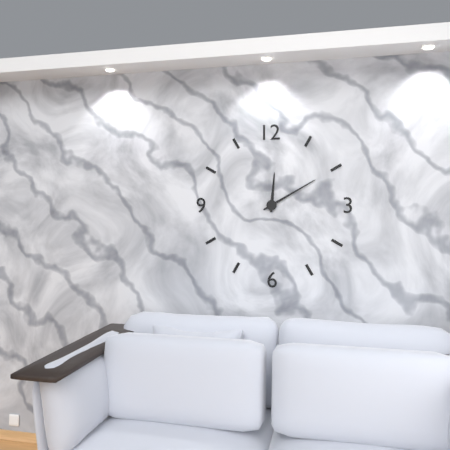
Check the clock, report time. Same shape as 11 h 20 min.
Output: 12 h 10 min
